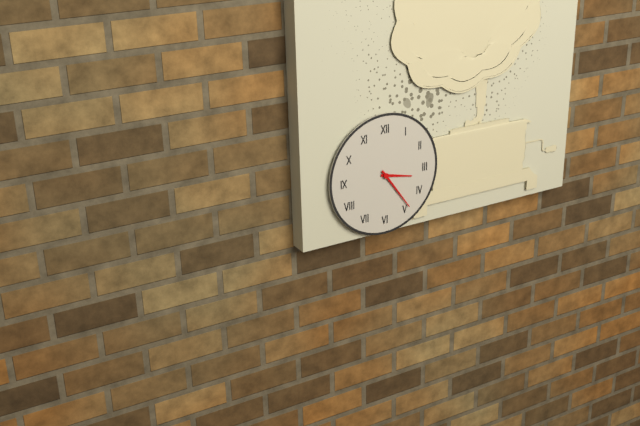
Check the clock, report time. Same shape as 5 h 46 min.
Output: 3 h 24 min
